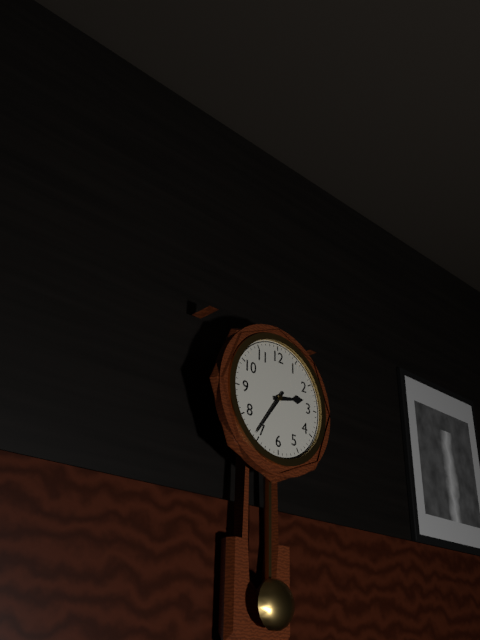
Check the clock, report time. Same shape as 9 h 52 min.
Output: 2 h 36 min
